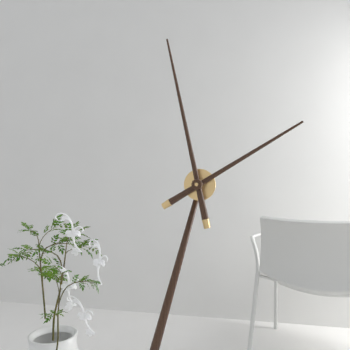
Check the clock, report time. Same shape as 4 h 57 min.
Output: 1 h 58 min
